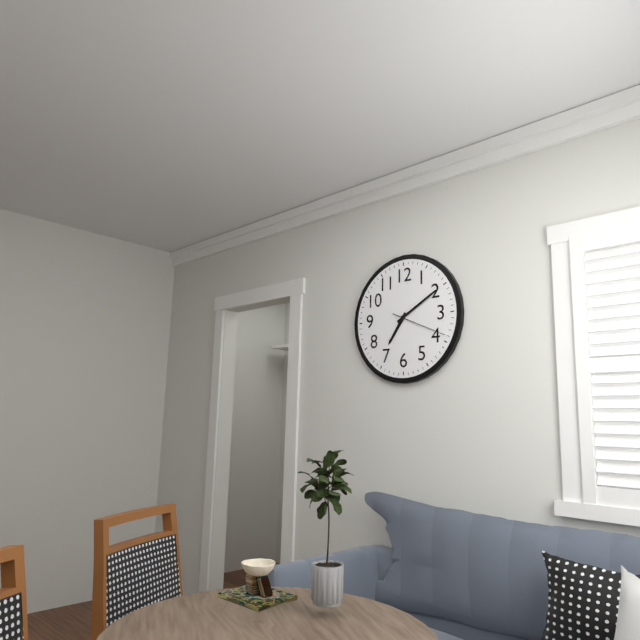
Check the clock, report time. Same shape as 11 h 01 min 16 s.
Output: 7 h 10 min 19 s
